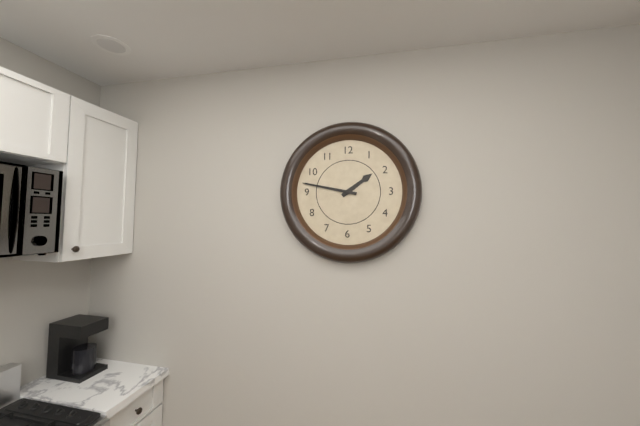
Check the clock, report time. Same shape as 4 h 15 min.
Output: 1 h 47 min
